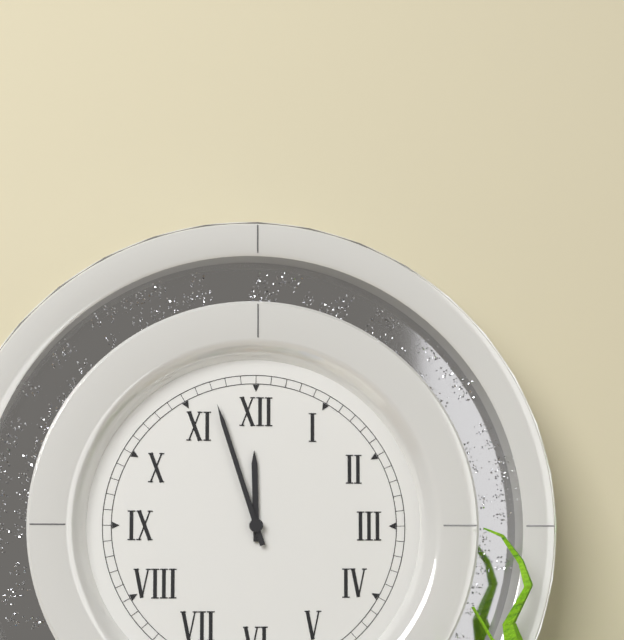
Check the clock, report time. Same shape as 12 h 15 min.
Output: 11 h 57 min
